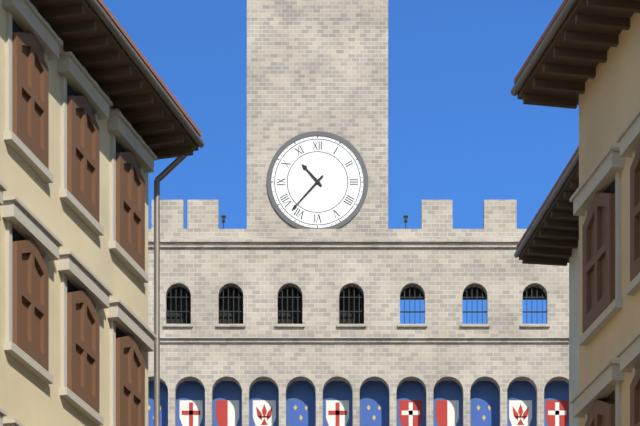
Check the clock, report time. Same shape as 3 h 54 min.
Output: 10 h 37 min
